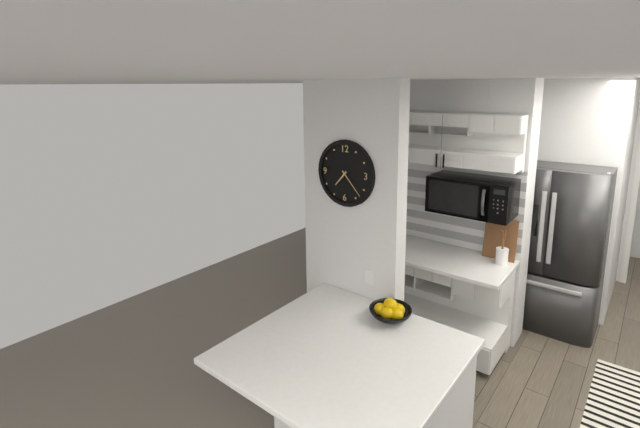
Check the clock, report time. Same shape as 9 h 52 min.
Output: 7 h 23 min
